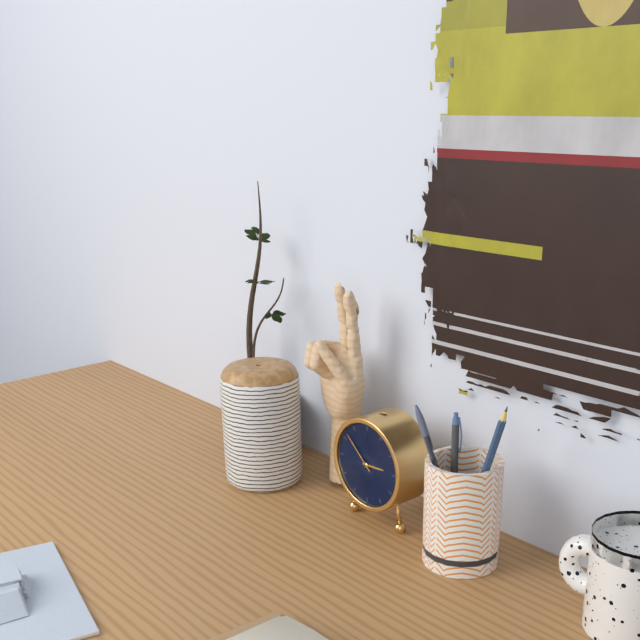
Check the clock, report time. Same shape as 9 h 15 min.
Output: 2 h 52 min
